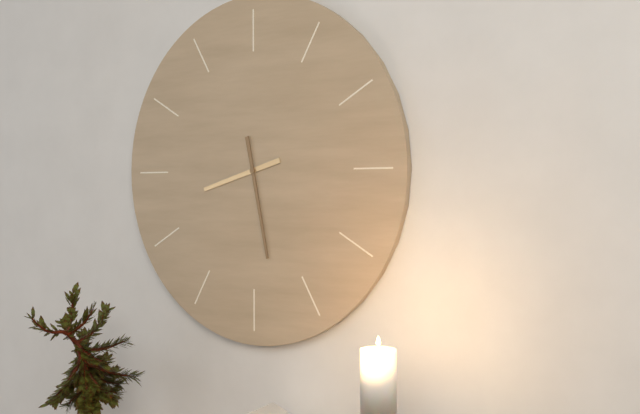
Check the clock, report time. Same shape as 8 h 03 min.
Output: 8 h 28 min
